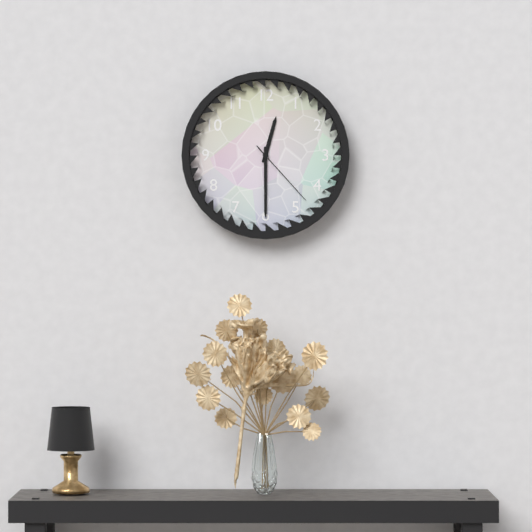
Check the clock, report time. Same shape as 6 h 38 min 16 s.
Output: 12 h 30 min 23 s
